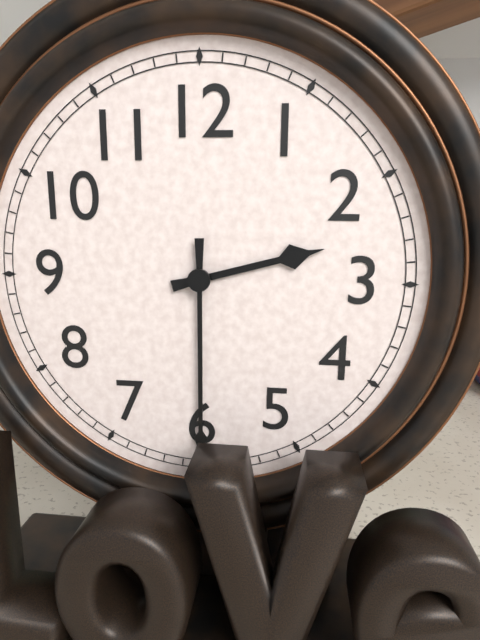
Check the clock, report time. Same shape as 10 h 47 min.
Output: 2 h 30 min
